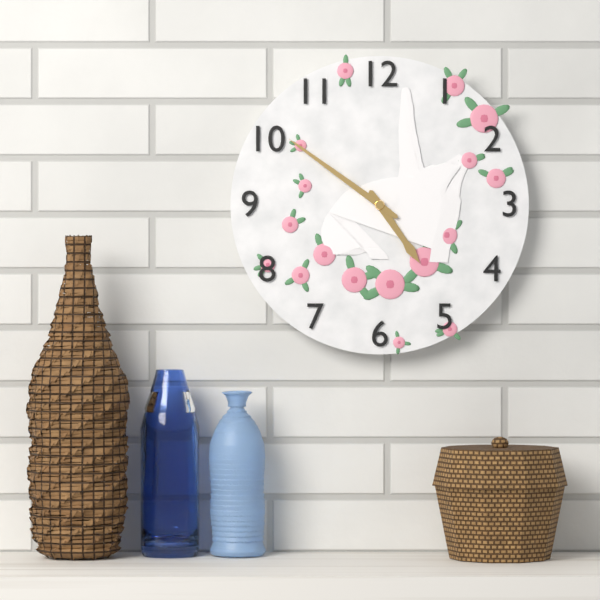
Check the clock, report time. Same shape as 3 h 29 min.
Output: 4 h 51 min
